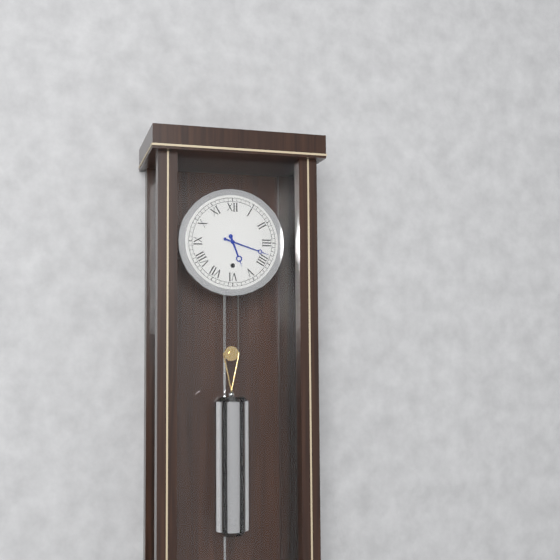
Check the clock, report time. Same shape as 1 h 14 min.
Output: 5 h 18 min
